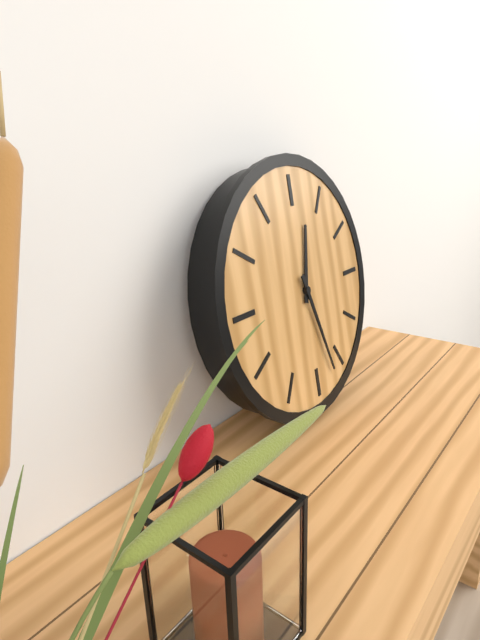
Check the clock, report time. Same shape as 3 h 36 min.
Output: 12 h 27 min
